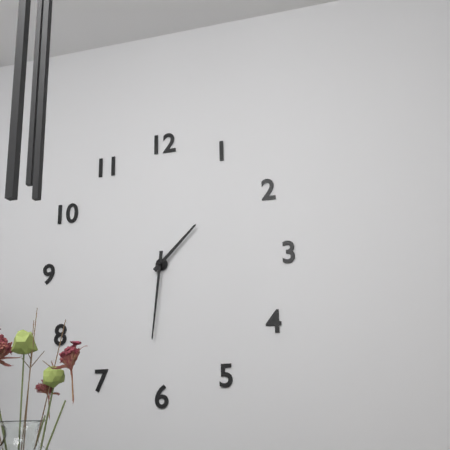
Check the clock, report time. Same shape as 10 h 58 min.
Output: 1 h 31 min
